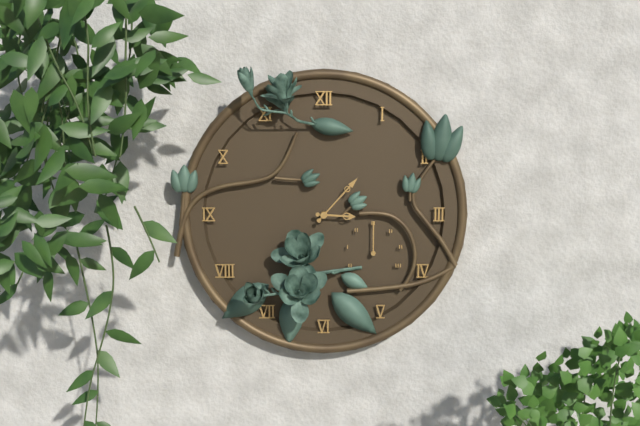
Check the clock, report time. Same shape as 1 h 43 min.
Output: 3 h 07 min
